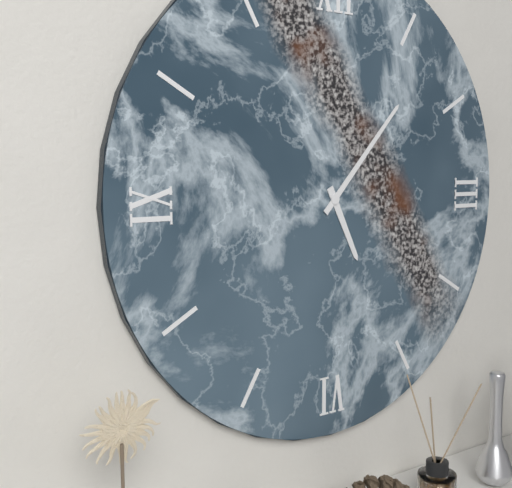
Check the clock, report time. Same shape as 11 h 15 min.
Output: 5 h 07 min
